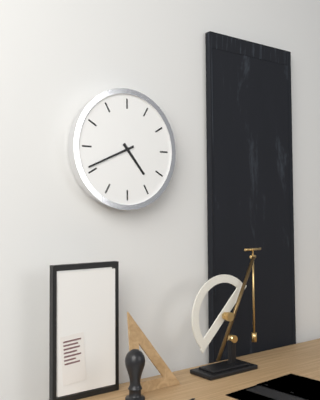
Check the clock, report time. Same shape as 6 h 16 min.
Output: 4 h 41 min
